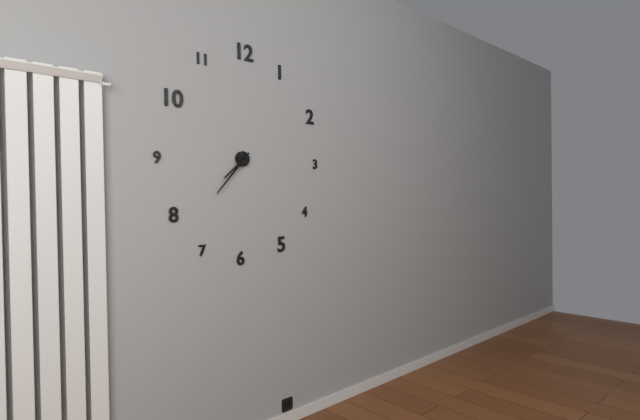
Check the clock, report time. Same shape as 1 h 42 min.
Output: 7 h 37 min
